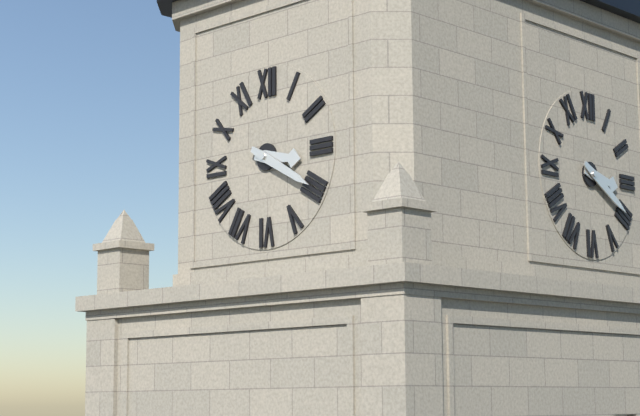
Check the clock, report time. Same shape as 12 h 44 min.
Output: 3 h 20 min
